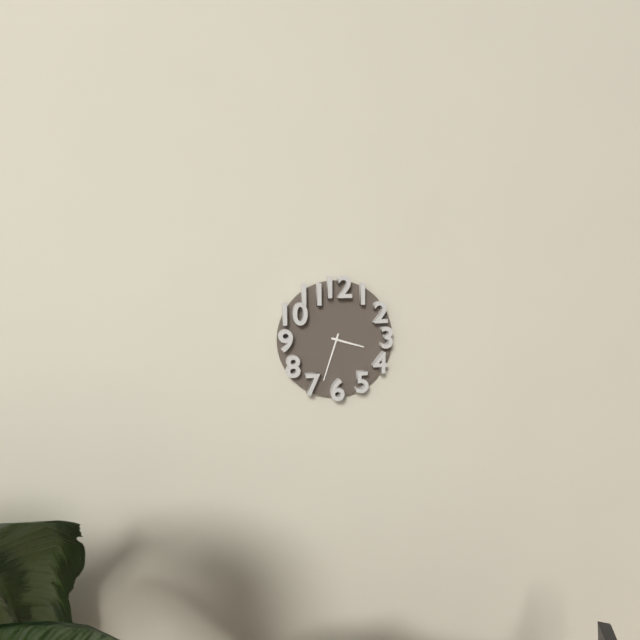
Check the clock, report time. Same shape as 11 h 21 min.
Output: 3 h 33 min
